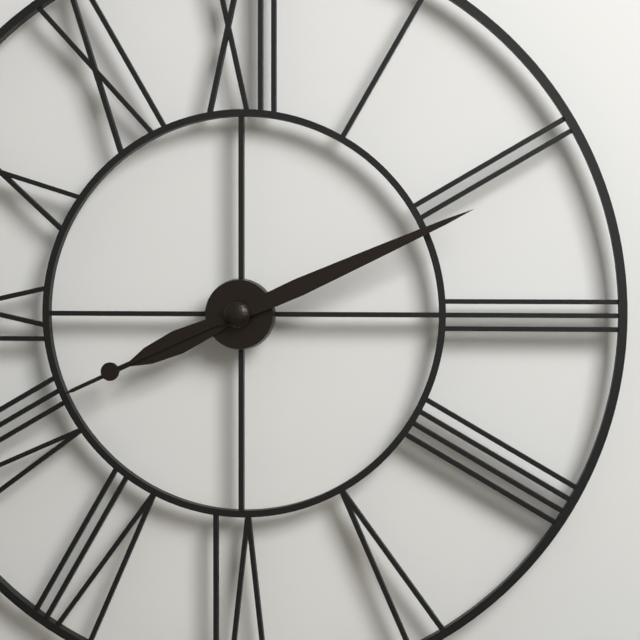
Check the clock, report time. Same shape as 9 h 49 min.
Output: 8 h 11 min
